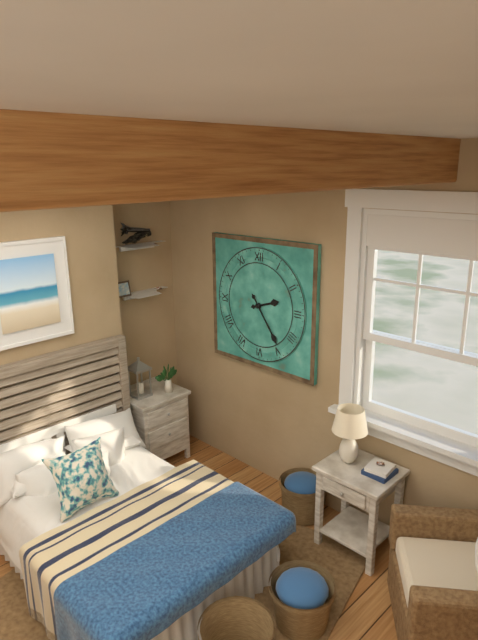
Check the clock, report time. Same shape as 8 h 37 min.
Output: 2 h 24 min
